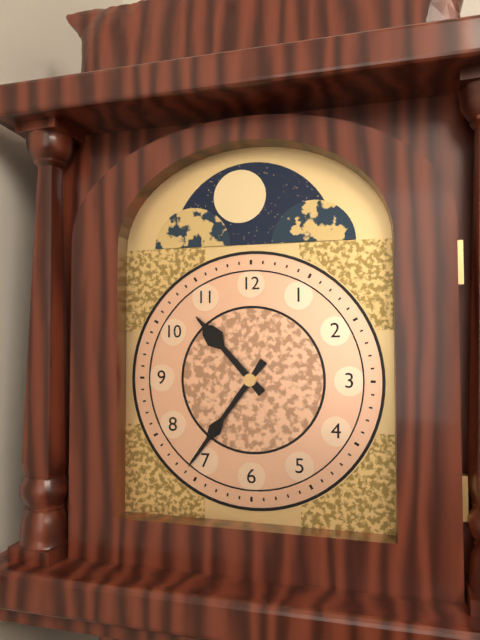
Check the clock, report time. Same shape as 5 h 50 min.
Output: 10 h 36 min
